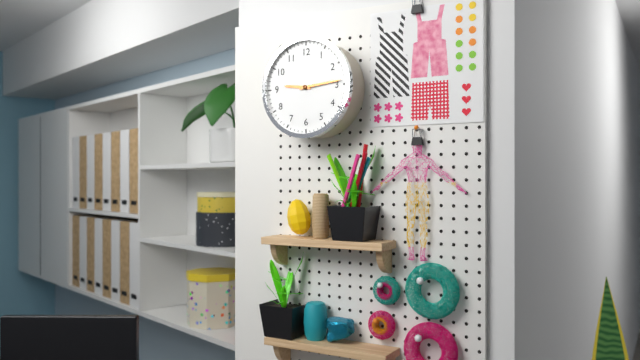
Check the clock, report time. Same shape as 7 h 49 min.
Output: 9 h 14 min
